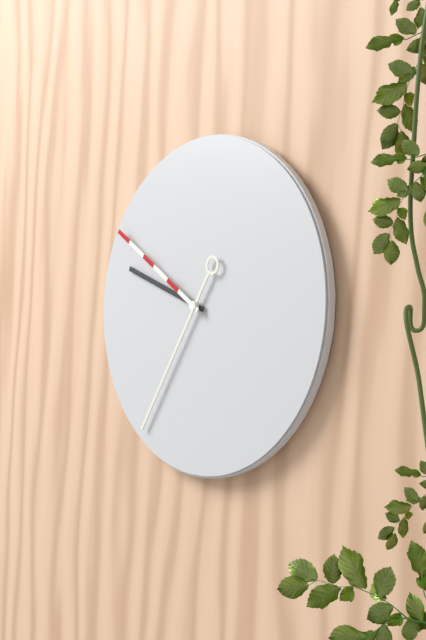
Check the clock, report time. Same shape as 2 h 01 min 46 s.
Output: 9 h 35 min 50 s
